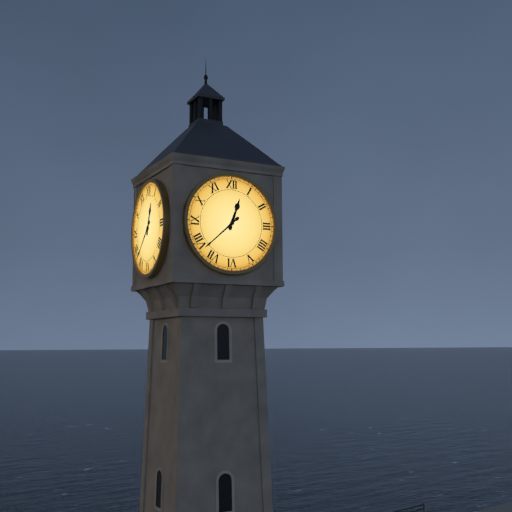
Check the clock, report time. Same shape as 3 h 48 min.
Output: 12 h 38 min
